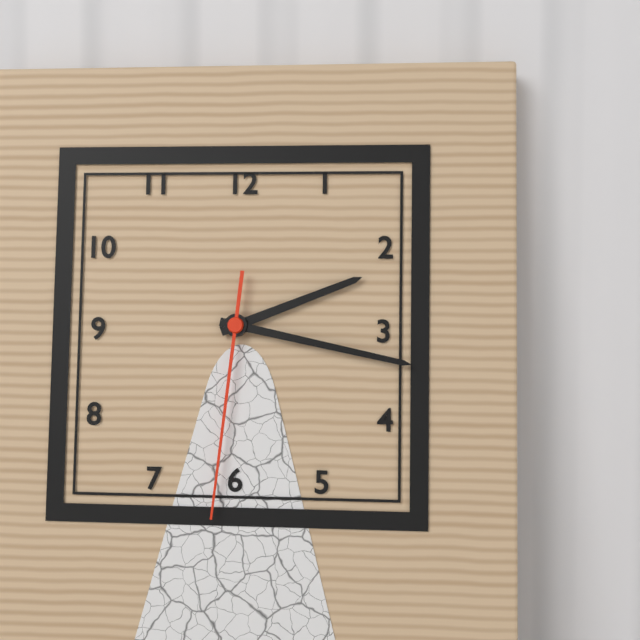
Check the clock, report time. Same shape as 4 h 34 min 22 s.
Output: 2 h 17 min 31 s
